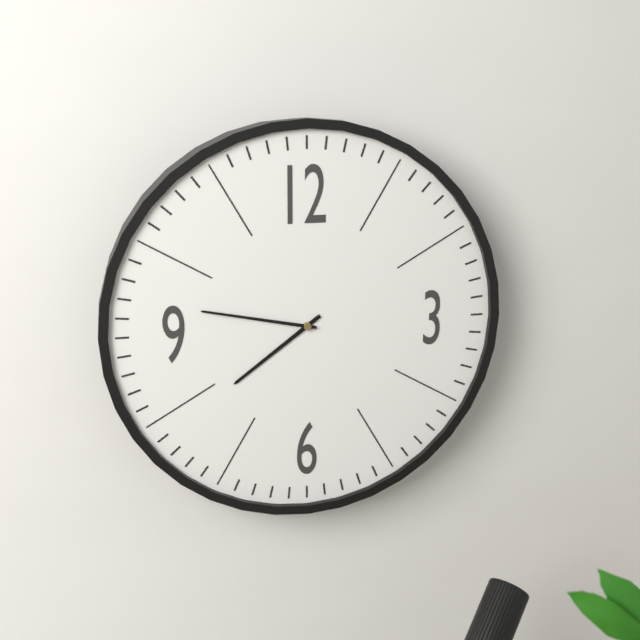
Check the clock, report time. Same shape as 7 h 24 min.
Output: 7 h 47 min
